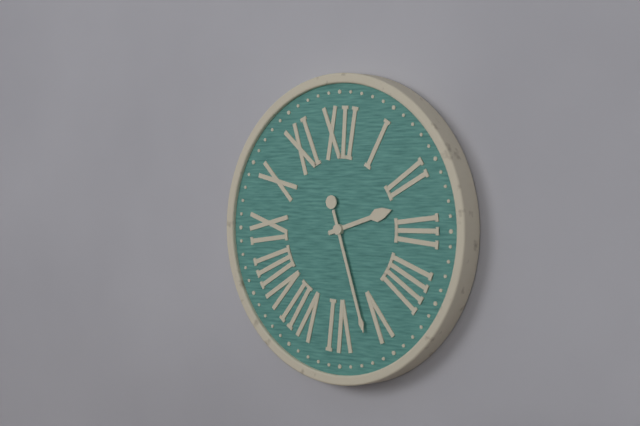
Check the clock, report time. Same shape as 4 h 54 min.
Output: 2 h 27 min
